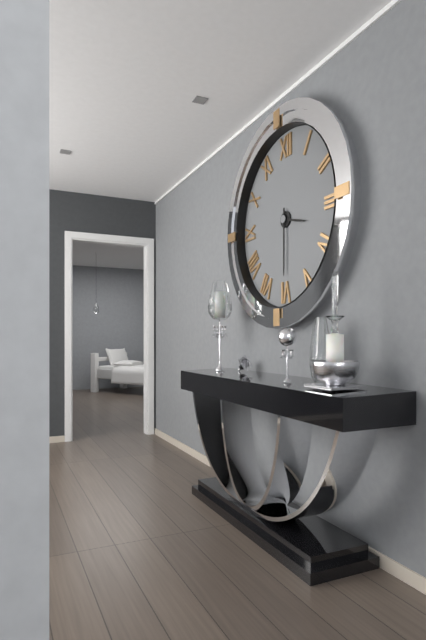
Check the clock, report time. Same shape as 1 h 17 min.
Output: 3 h 30 min
